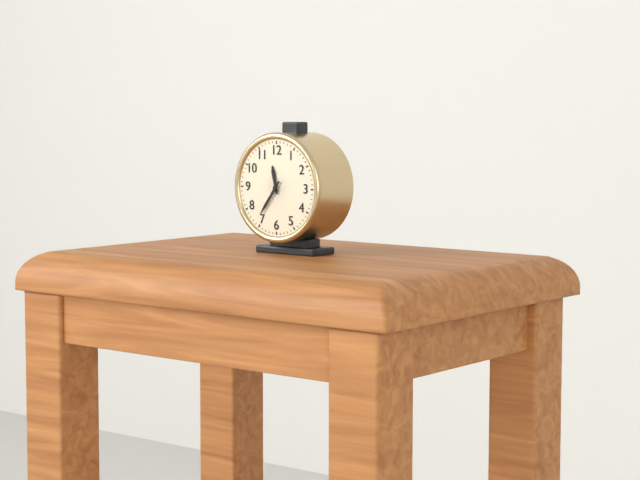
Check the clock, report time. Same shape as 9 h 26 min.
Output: 11 h 36 min
